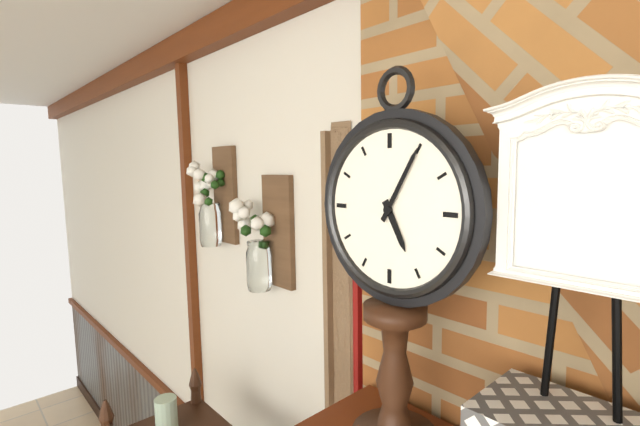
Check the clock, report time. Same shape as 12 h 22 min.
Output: 5 h 05 min
